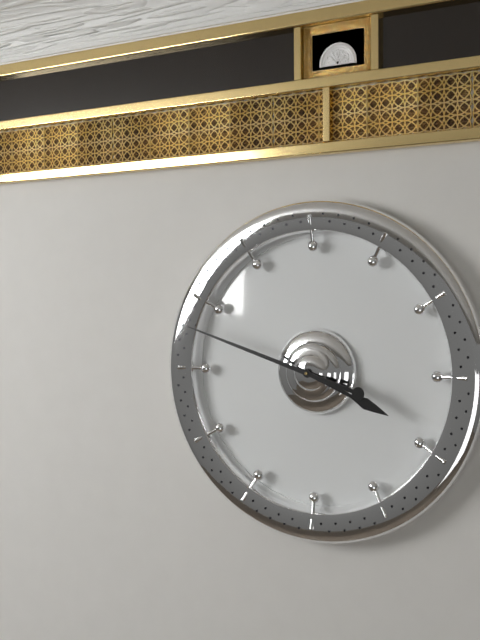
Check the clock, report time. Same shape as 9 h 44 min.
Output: 3 h 48 min
